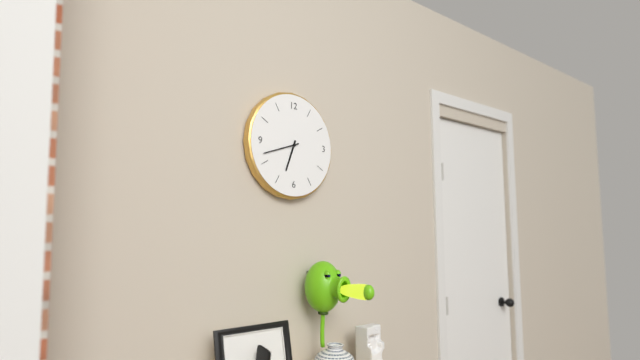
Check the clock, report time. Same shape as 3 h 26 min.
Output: 6 h 42 min
